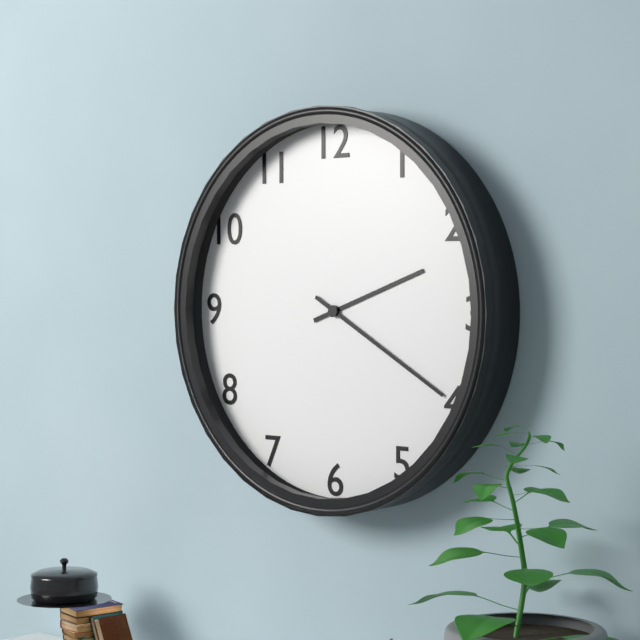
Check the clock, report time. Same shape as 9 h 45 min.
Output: 2 h 20 min
